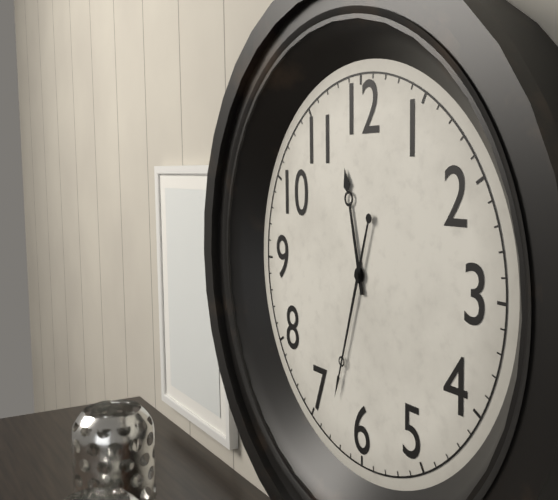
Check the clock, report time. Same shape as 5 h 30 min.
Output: 11 h 33 min
